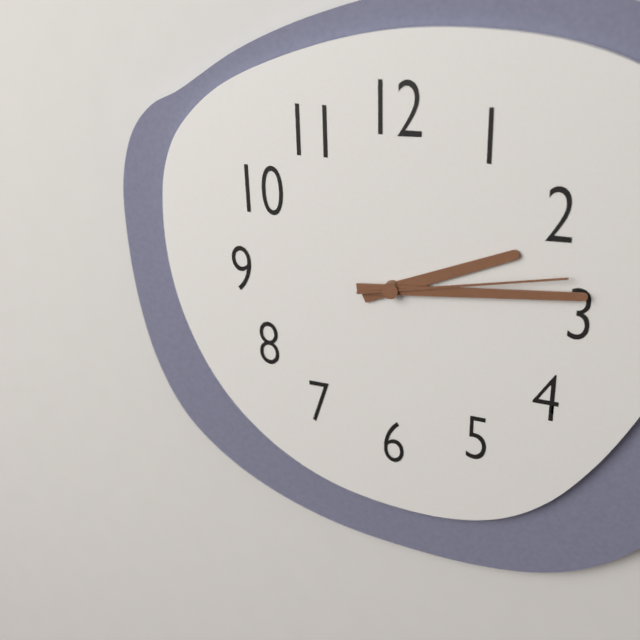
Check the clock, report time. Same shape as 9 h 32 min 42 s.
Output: 2 h 14 min 13 s
